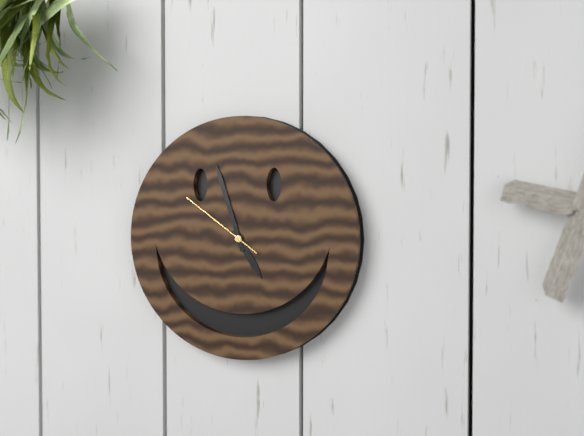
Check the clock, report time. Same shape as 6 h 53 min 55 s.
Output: 4 h 57 min 51 s
